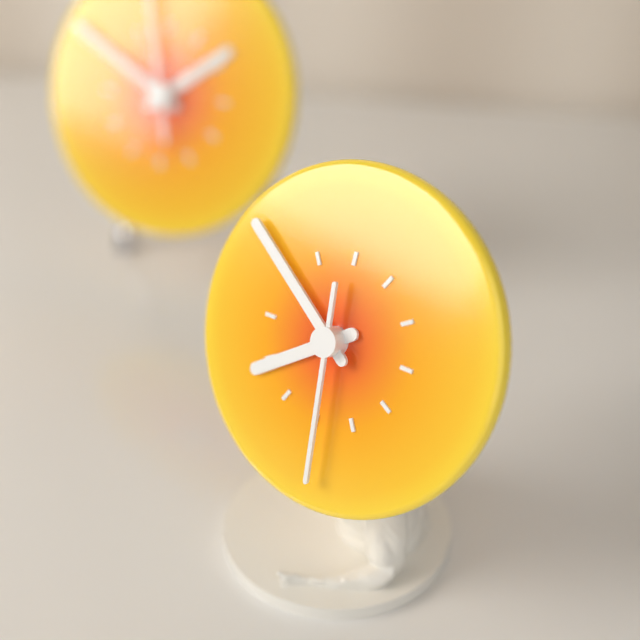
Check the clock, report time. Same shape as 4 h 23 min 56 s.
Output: 7 h 51 min 29 s
